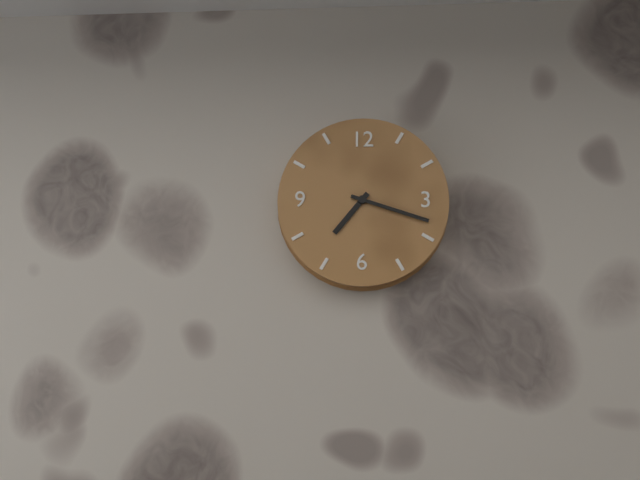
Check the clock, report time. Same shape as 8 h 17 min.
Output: 7 h 18 min
